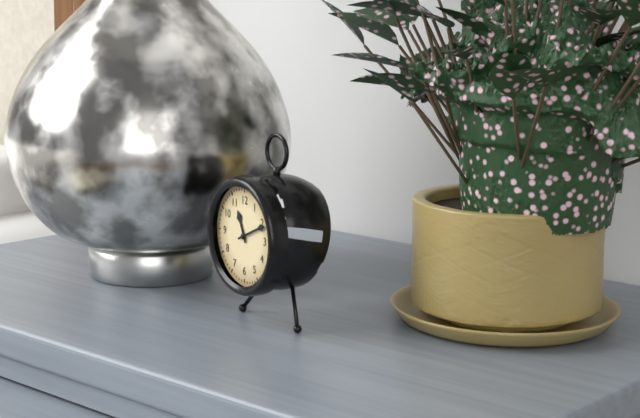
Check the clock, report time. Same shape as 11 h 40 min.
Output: 11 h 11 min
